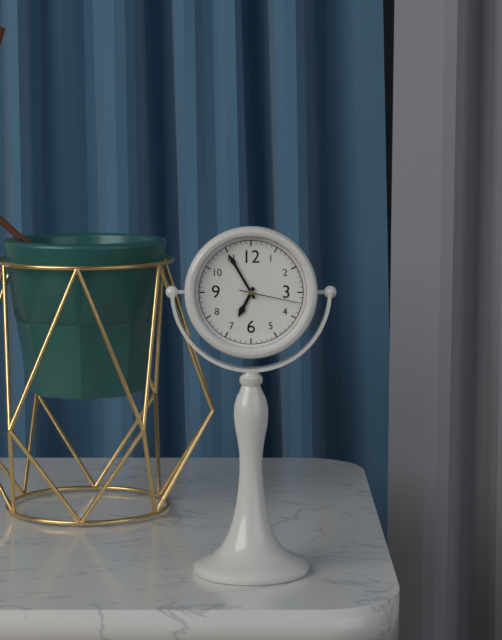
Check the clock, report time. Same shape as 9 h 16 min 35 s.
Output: 6 h 55 min 17 s
